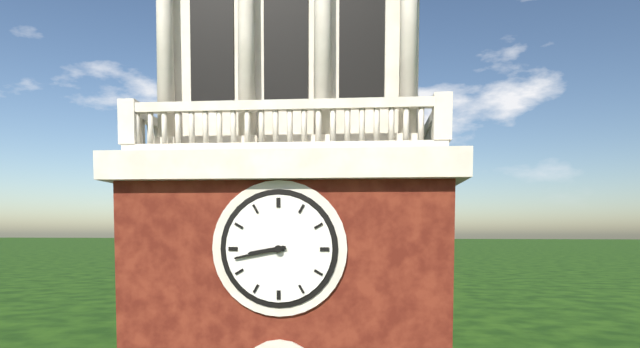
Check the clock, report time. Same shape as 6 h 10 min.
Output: 8 h 43 min
